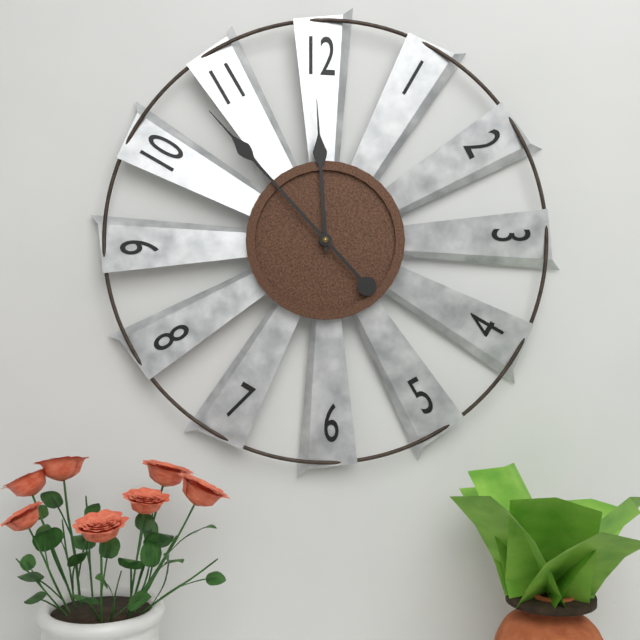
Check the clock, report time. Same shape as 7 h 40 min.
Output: 11 h 53 min
